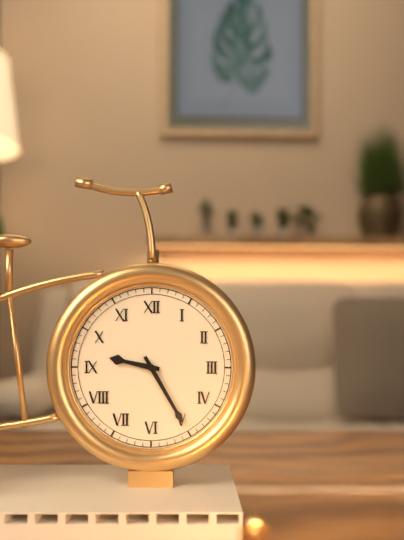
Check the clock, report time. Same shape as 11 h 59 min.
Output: 9 h 25 min
